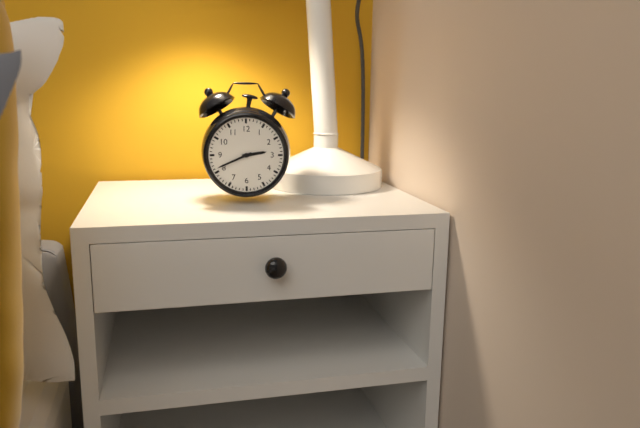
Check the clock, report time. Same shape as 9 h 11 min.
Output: 2 h 41 min
